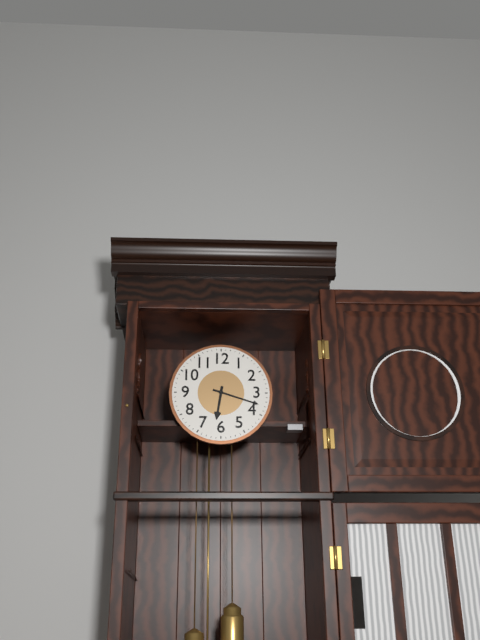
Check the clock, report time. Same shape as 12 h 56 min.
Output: 6 h 18 min
